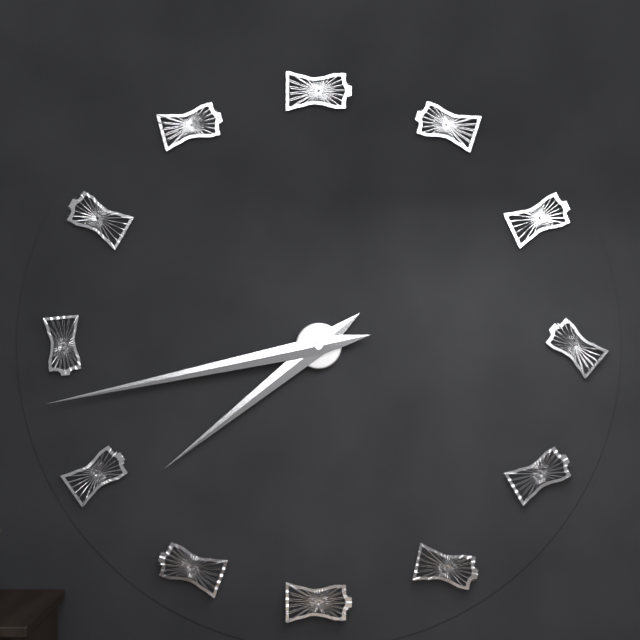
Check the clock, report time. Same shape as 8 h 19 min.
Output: 7 h 43 min
